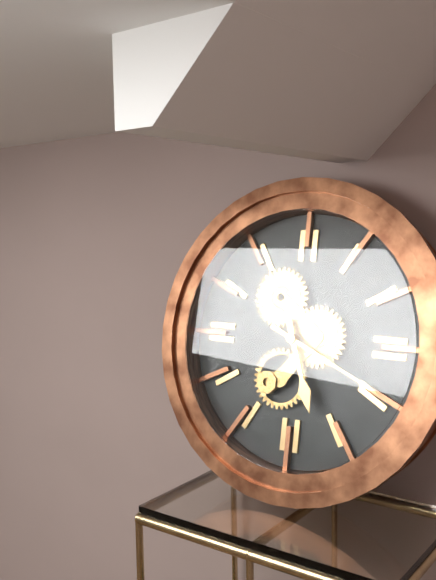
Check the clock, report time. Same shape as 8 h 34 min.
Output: 5 h 19 min
